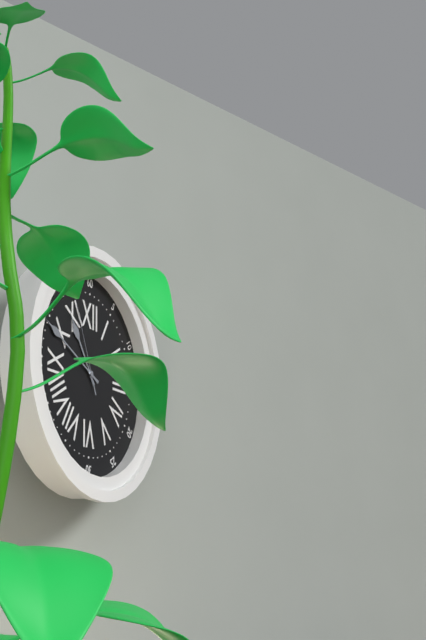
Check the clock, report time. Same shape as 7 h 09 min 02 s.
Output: 10 h 49 min 56 s
